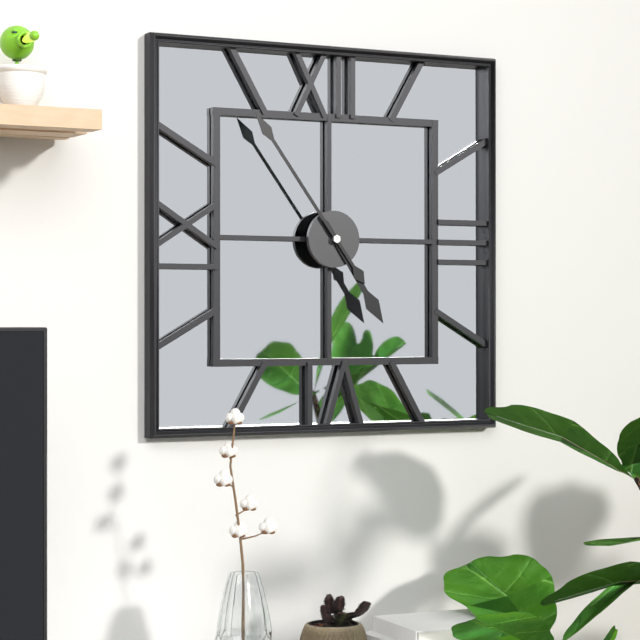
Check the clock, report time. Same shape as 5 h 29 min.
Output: 4 h 54 min
